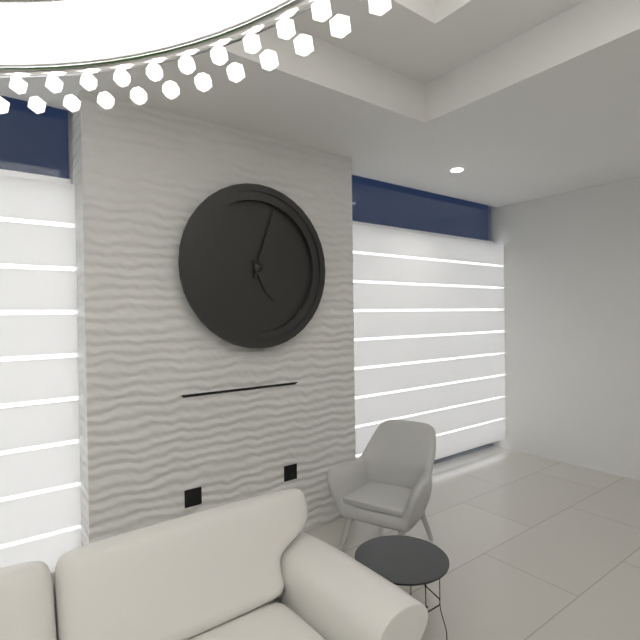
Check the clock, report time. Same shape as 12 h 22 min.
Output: 5 h 03 min
